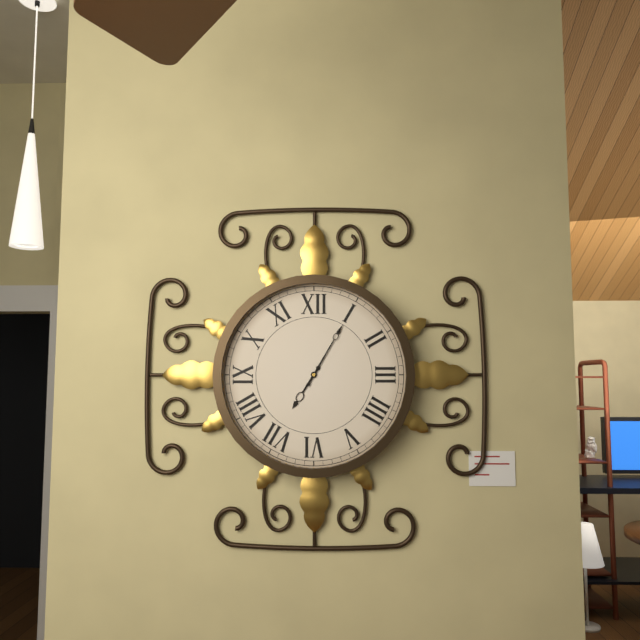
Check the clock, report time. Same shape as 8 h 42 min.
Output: 7 h 05 min
